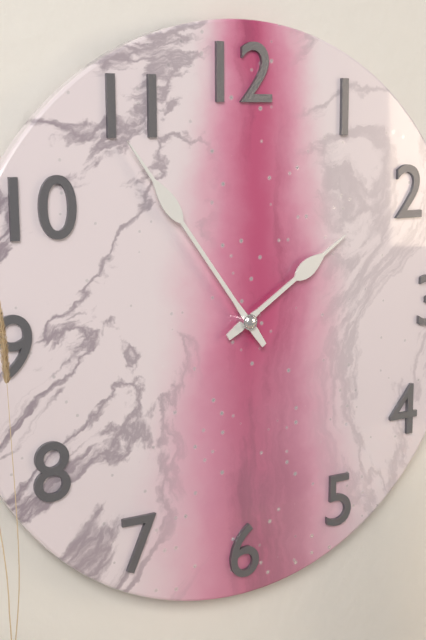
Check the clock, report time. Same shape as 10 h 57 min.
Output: 1 h 54 min
